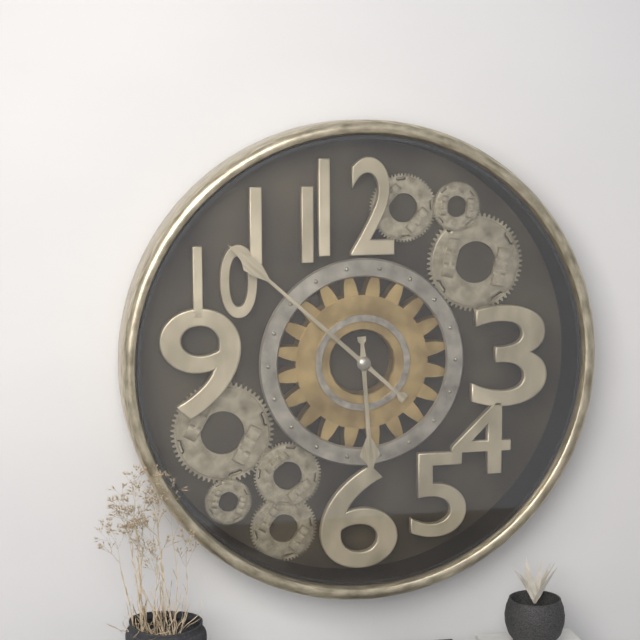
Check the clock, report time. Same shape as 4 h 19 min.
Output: 5 h 52 min
